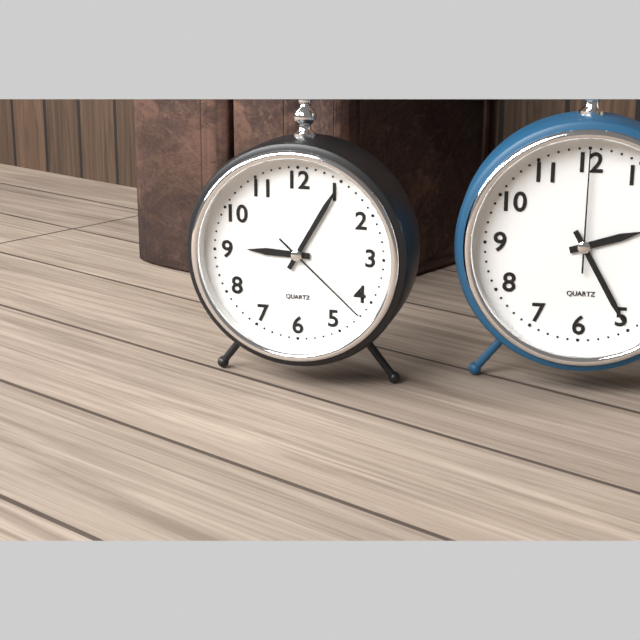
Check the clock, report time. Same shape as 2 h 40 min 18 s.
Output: 9 h 05 min 22 s
